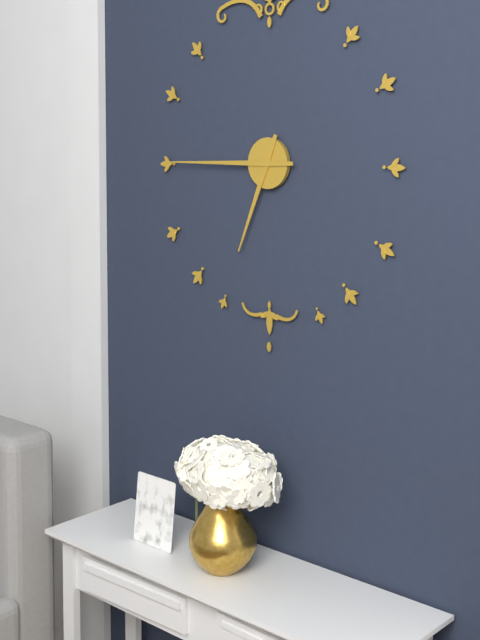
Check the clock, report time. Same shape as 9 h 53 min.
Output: 6 h 45 min
